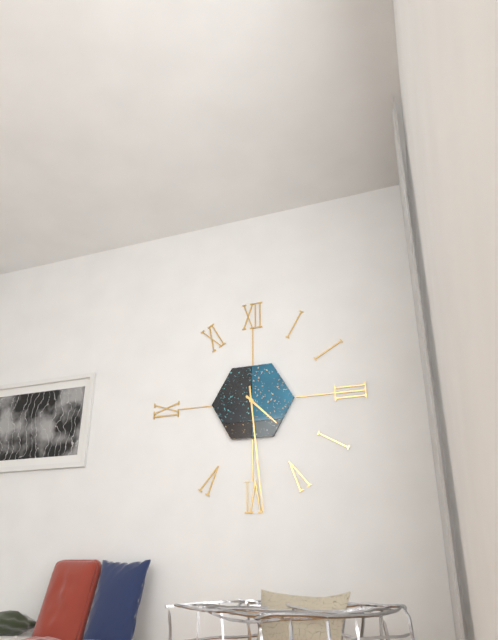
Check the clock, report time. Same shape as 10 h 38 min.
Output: 4 h 29 min
